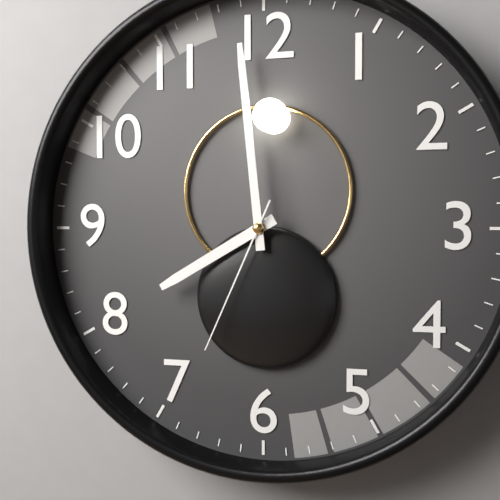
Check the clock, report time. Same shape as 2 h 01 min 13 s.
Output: 7 h 59 min 34 s
